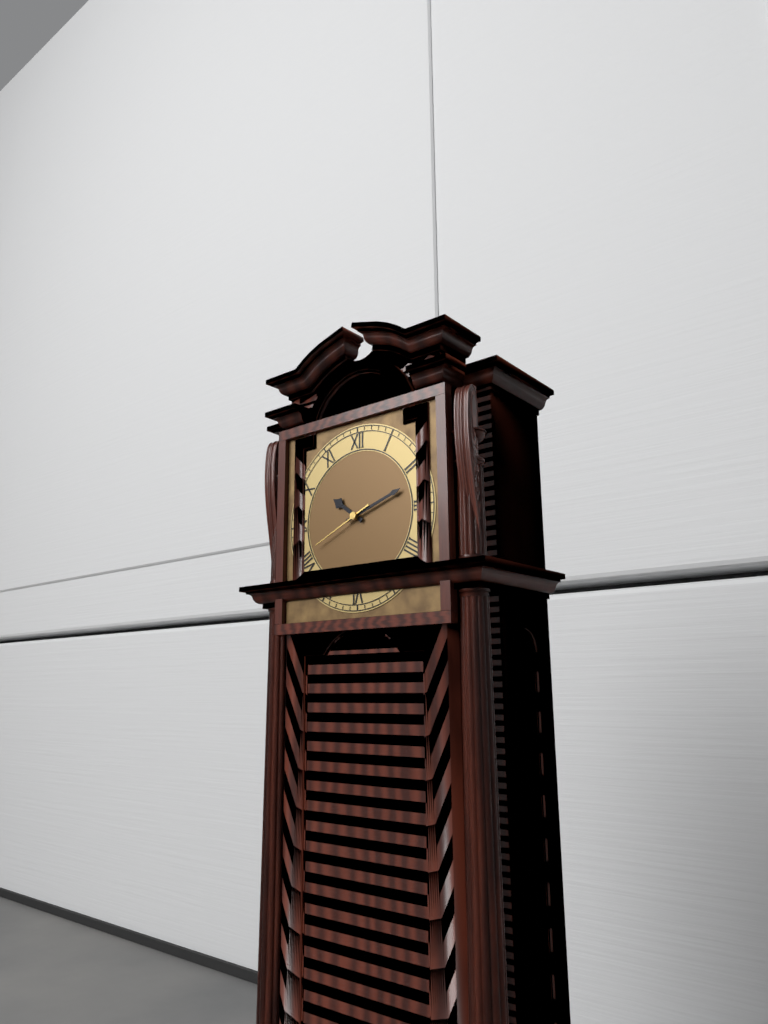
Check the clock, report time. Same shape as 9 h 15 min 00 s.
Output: 10 h 12 min 41 s
